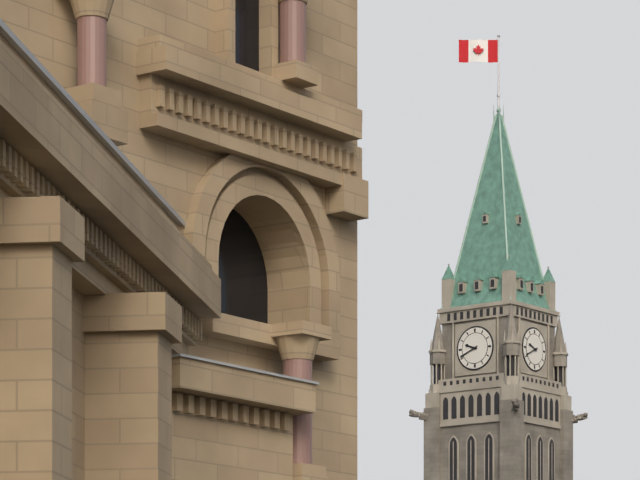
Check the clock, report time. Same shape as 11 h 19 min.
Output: 9 h 41 min
